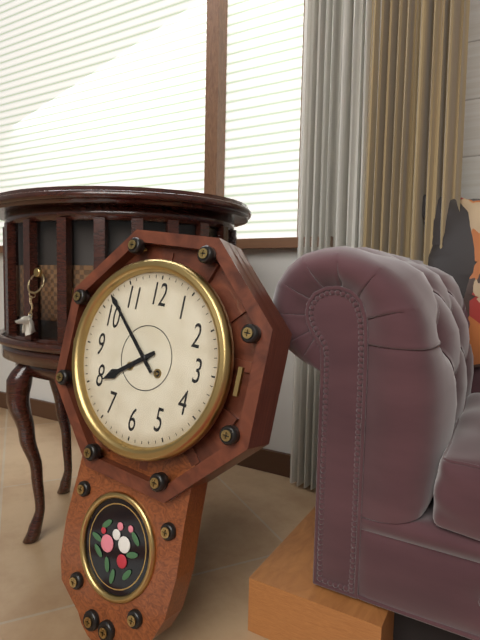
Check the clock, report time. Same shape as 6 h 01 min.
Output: 7 h 52 min
